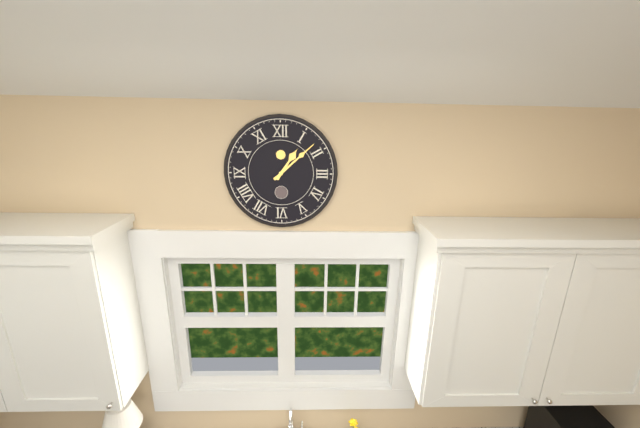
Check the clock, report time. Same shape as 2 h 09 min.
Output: 1 h 08 min
